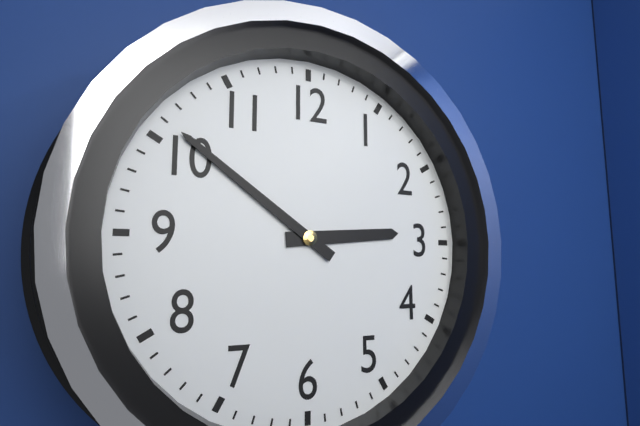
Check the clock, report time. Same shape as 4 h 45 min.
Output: 2 h 51 min
